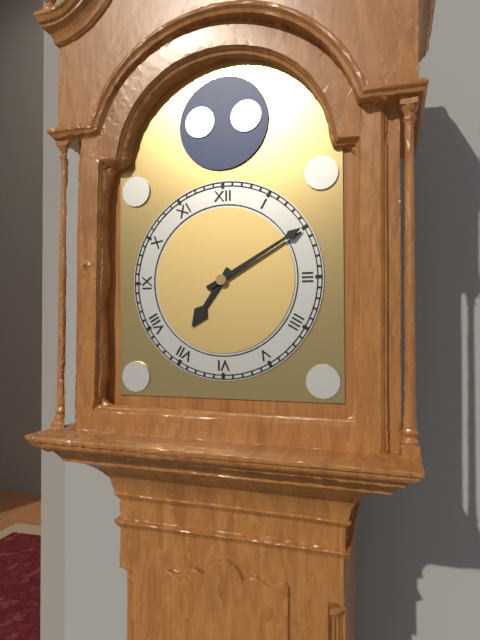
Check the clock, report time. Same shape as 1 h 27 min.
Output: 7 h 10 min
